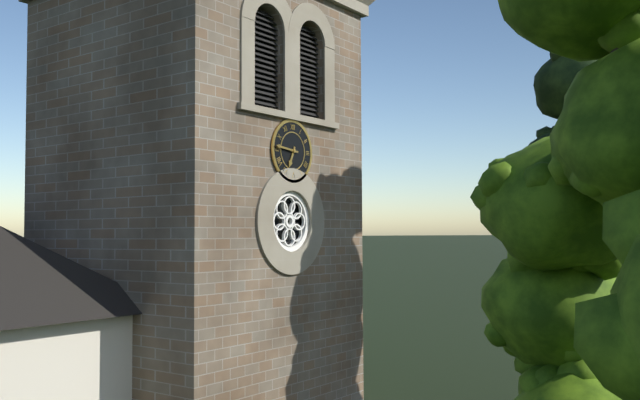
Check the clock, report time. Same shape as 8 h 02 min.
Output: 6 h 46 min
